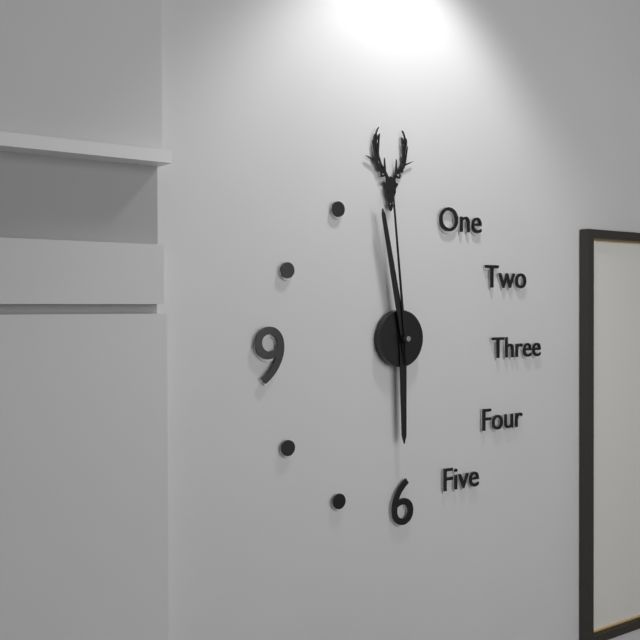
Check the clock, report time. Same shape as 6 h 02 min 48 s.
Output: 5 h 58 min 59 s
